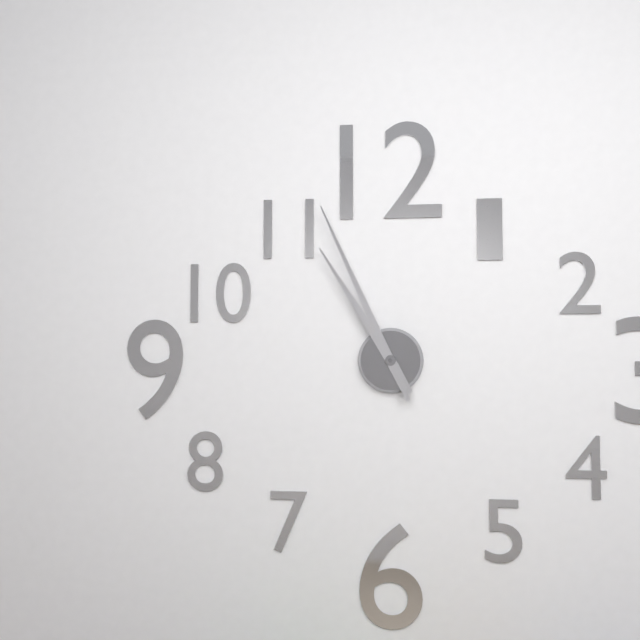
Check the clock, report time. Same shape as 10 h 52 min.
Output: 10 h 56 min
